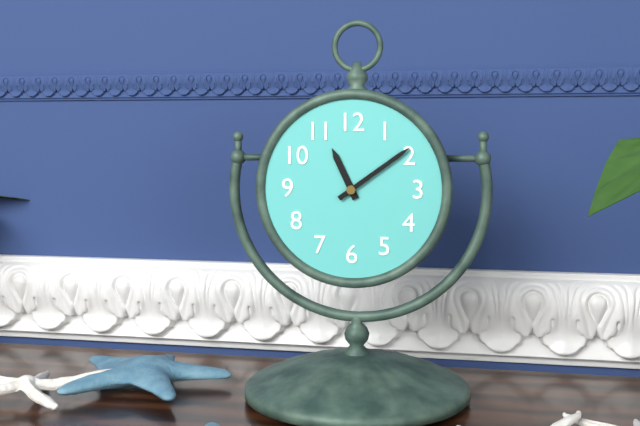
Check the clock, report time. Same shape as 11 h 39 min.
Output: 11 h 09 min
